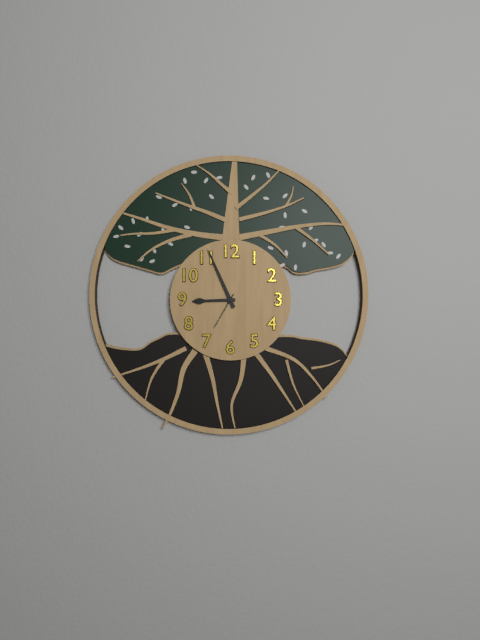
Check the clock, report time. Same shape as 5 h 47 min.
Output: 8 h 56 min
